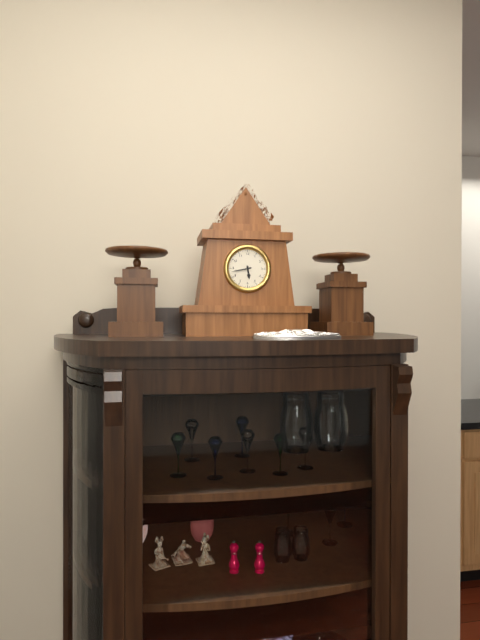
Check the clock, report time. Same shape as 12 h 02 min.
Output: 5 h 43 min
